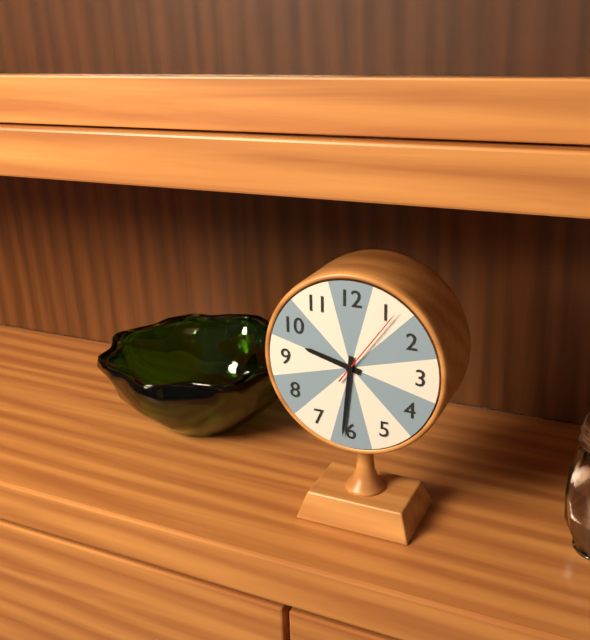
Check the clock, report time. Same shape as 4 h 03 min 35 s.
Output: 9 h 31 min 06 s
